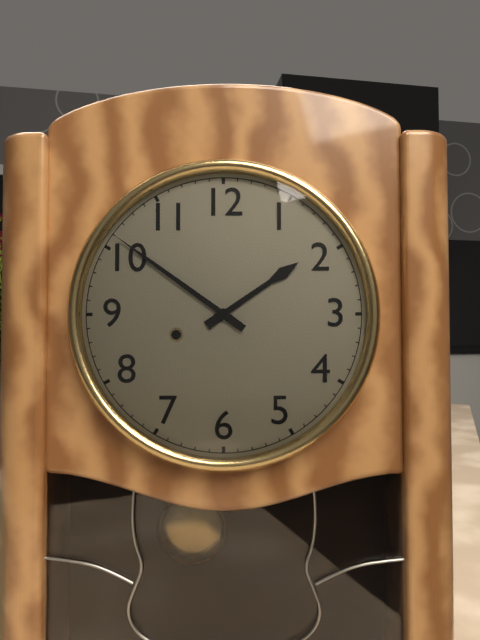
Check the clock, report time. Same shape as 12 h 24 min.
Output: 1 h 51 min
